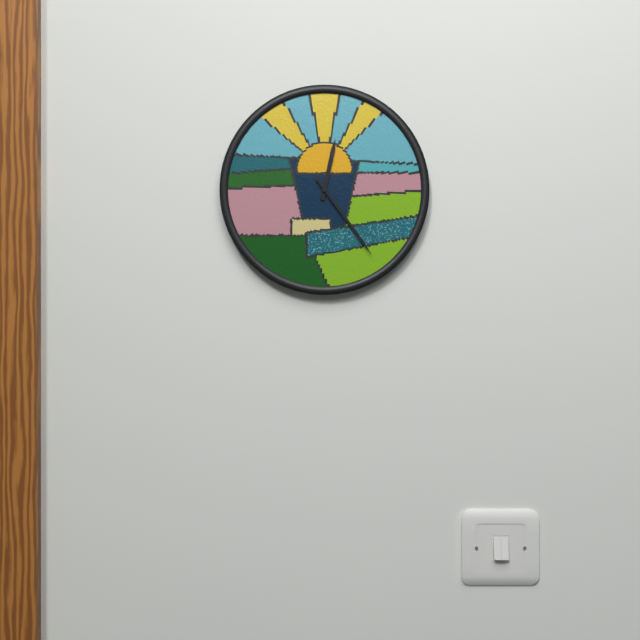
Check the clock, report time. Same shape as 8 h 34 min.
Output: 12 h 24 min
